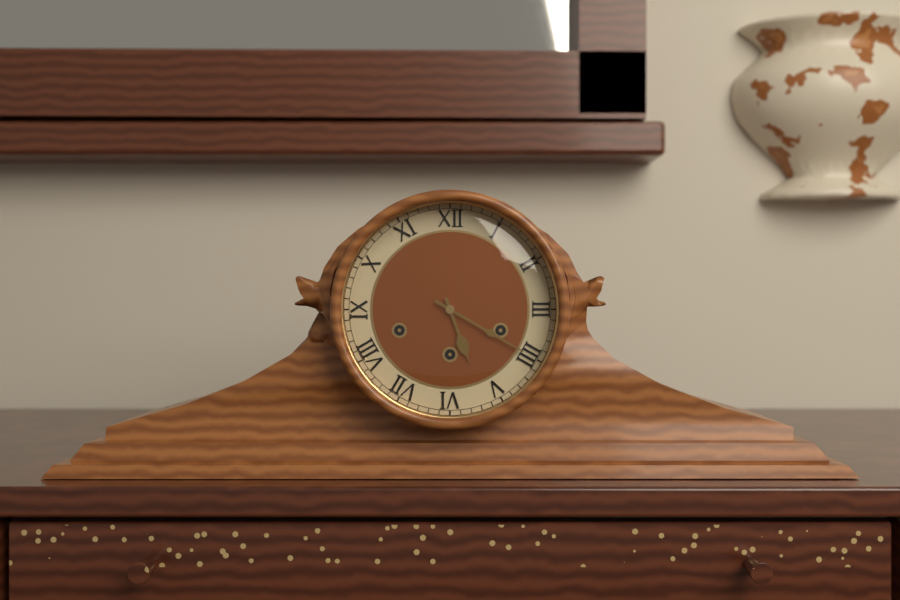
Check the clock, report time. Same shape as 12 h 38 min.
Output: 5 h 20 min
